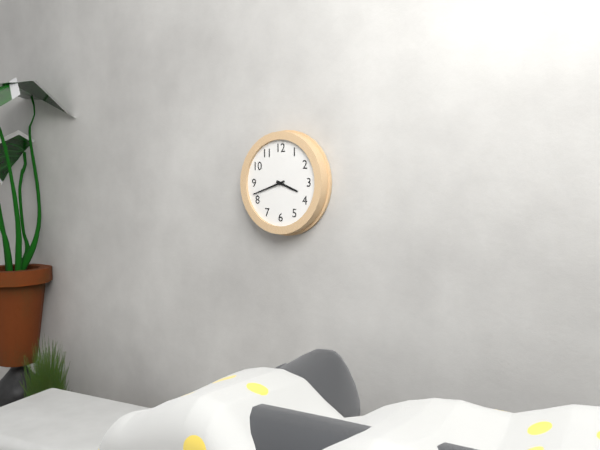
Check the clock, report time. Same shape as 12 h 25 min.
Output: 3 h 42 min
